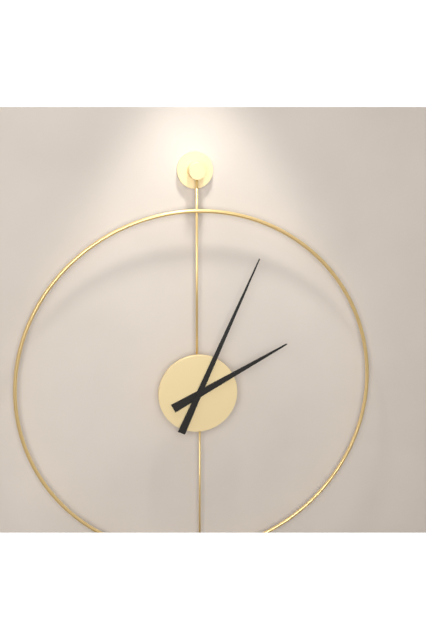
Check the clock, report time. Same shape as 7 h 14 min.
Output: 2 h 04 min
